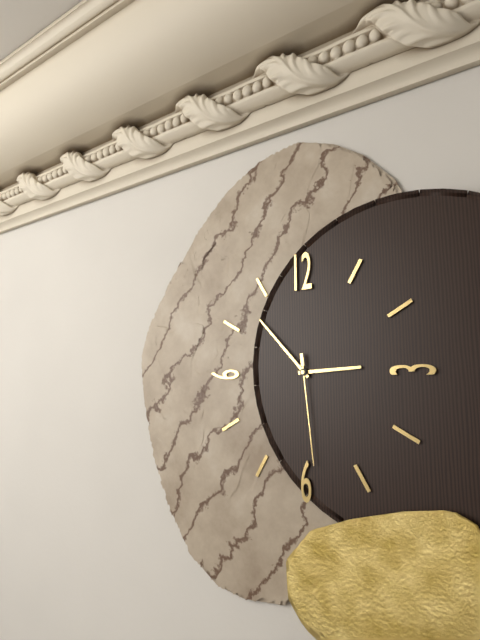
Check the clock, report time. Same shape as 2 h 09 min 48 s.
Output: 2 h 53 min 29 s
